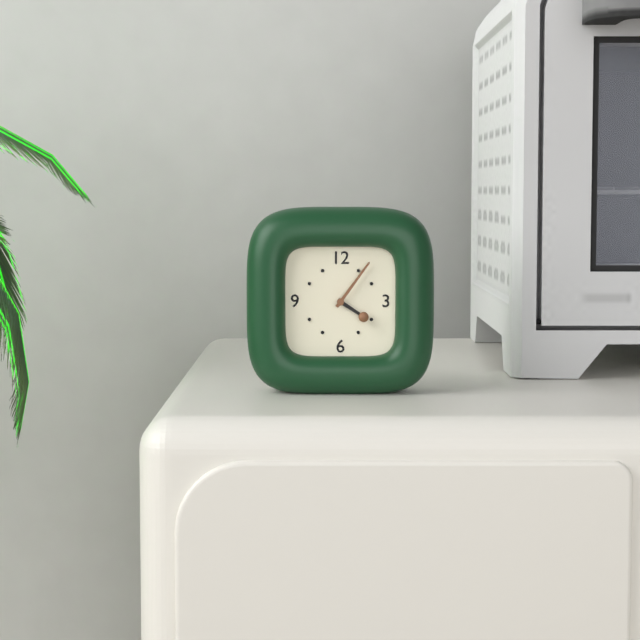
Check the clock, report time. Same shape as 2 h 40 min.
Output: 4 h 06 min
